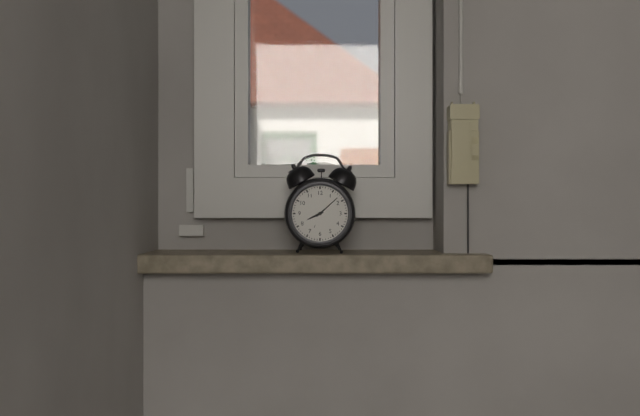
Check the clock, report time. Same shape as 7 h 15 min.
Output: 8 h 08 min
